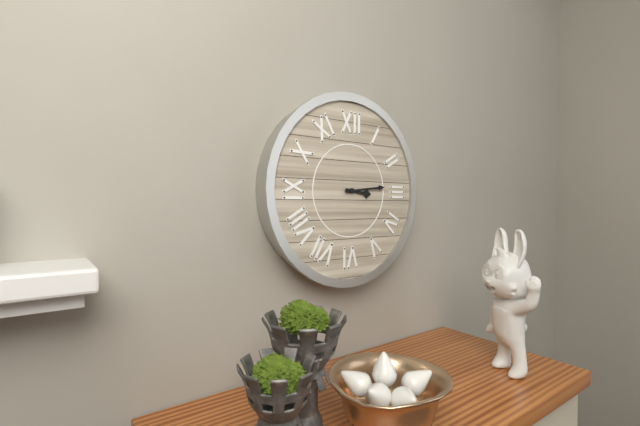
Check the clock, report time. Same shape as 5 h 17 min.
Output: 3 h 14 min
